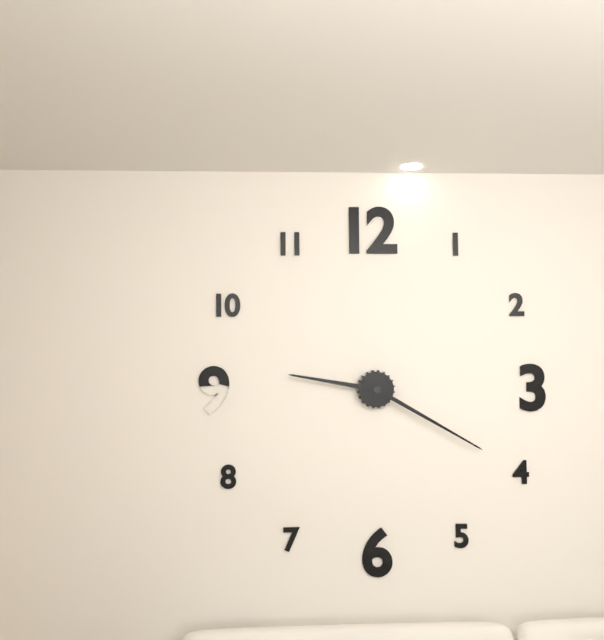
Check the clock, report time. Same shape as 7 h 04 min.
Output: 9 h 20 min
